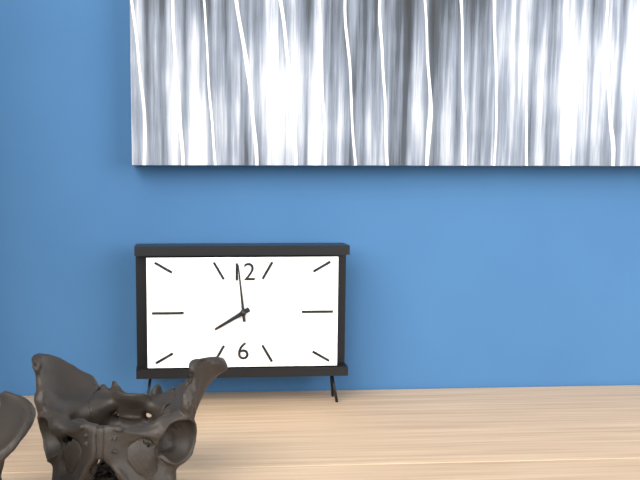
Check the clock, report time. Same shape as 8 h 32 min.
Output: 7 h 59 min
